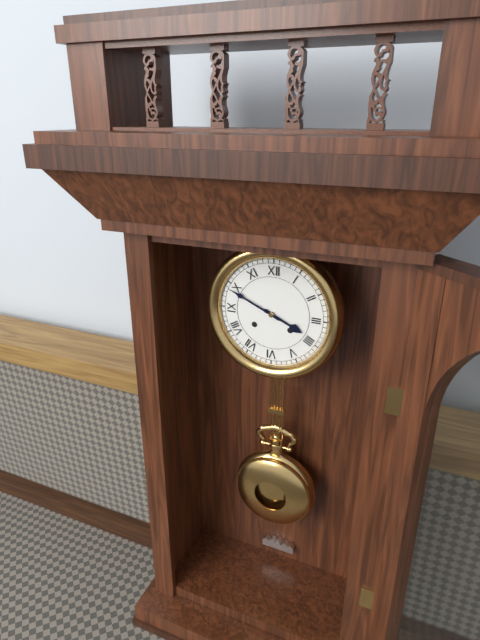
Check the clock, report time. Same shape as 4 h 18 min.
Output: 3 h 49 min
